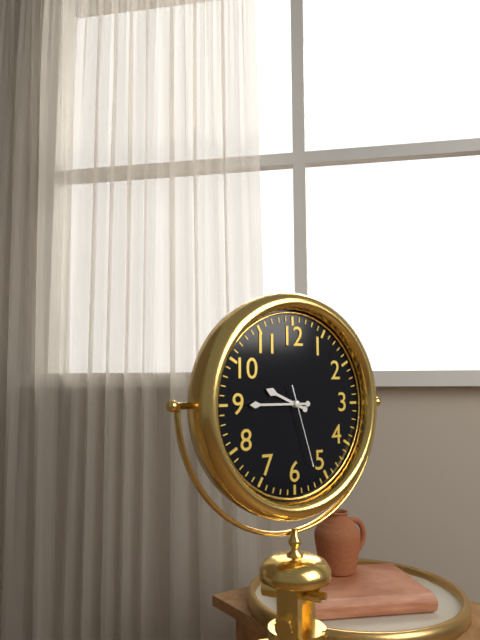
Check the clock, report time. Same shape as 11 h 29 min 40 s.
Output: 9 h 45 min 27 s
